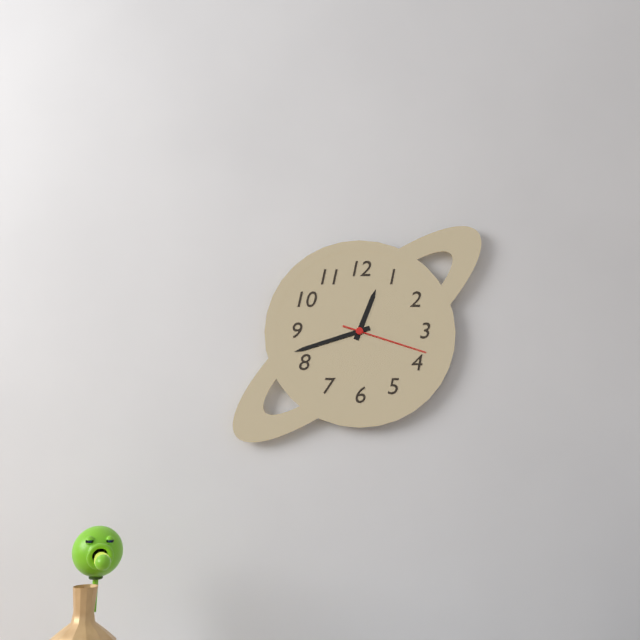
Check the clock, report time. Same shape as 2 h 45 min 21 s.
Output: 12 h 42 min 18 s
